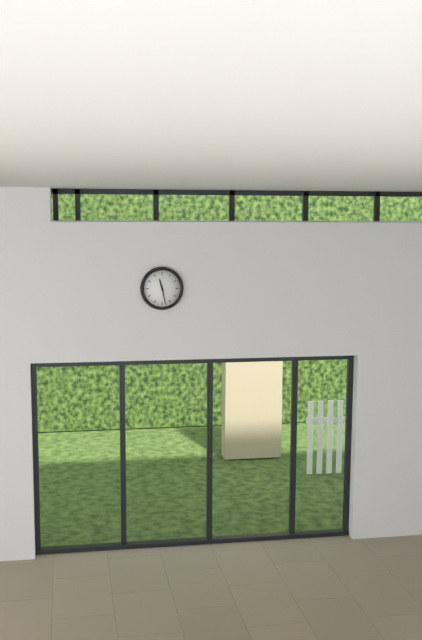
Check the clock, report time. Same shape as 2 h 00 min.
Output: 11 h 28 min
